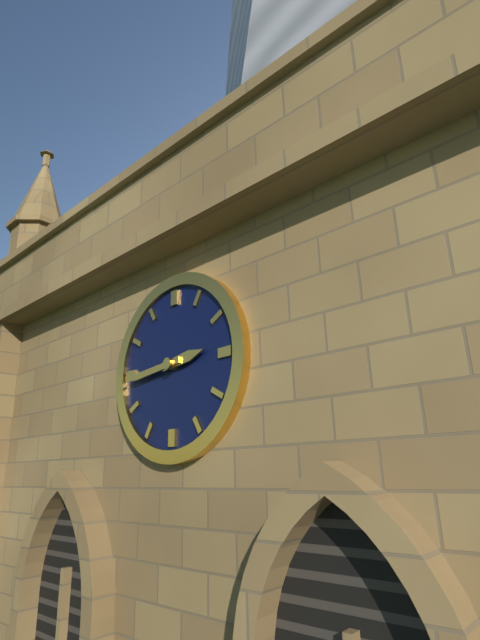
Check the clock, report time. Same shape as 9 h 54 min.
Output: 2 h 44 min
